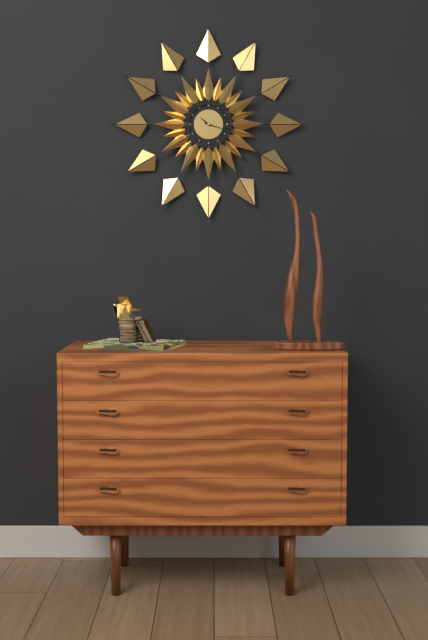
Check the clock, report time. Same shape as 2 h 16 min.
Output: 10 h 18 min
